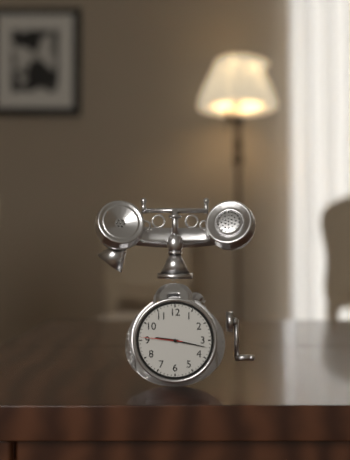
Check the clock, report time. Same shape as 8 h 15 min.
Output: 9 h 17 min
